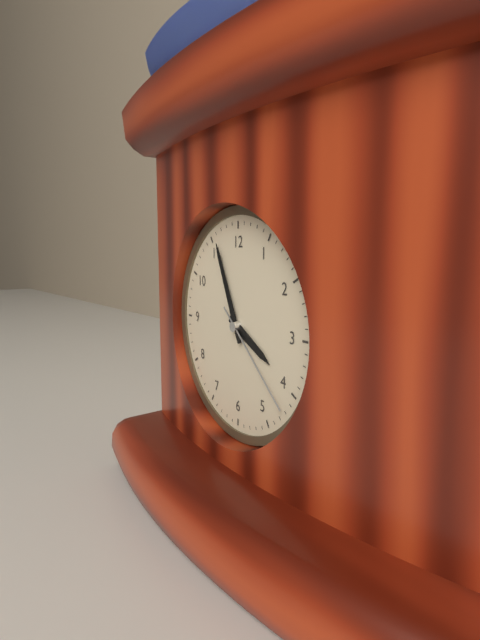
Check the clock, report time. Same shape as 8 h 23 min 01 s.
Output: 3 h 56 min 22 s
